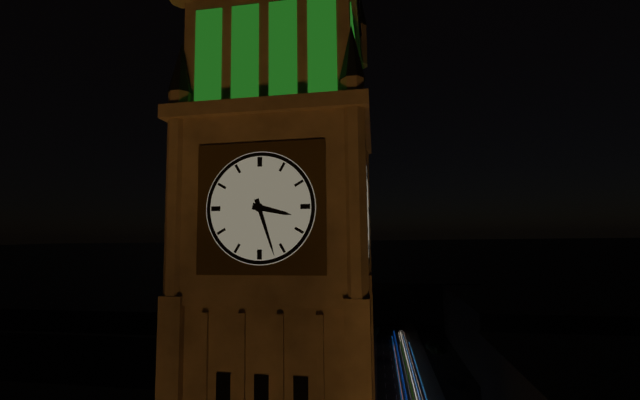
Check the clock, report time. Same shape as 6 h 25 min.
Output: 3 h 27 min
